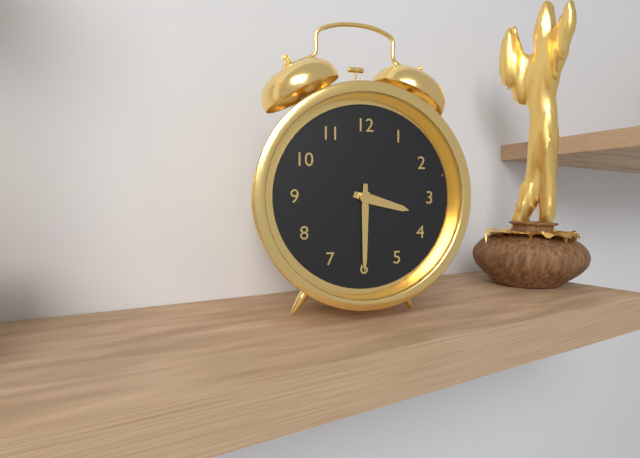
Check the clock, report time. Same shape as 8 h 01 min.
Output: 3 h 30 min
